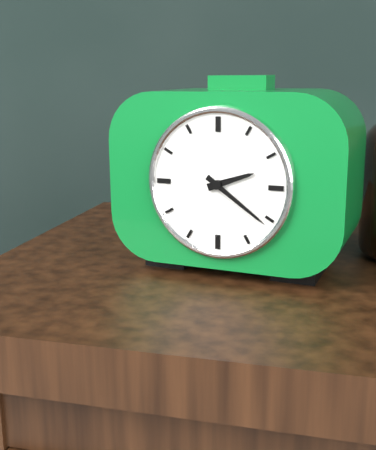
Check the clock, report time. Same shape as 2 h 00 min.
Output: 2 h 21 min
